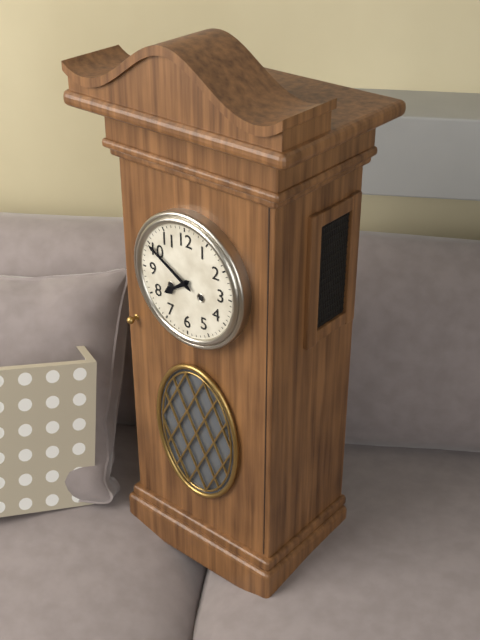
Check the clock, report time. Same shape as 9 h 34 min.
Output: 7 h 50 min
